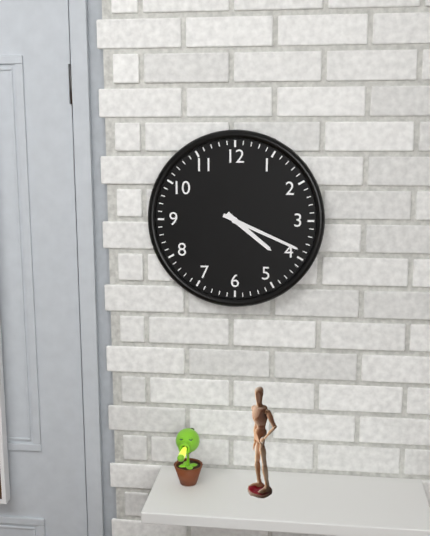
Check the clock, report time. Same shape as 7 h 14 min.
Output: 4 h 19 min
